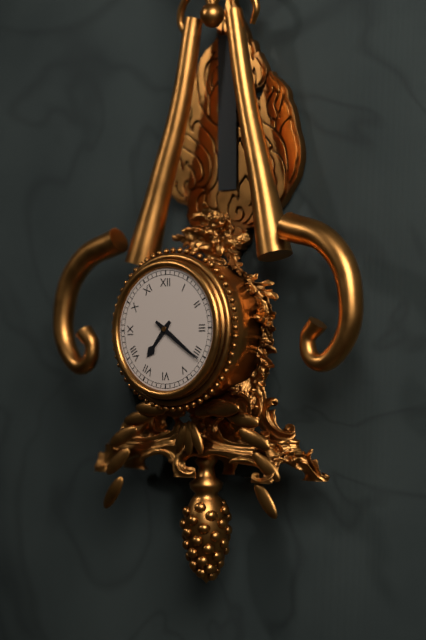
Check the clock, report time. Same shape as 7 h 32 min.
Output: 7 h 21 min
